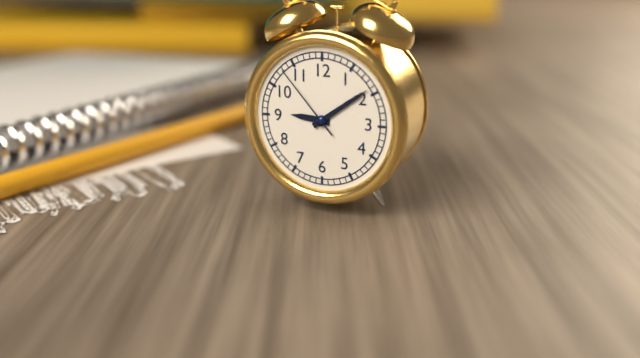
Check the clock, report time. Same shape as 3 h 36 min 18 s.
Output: 9 h 09 min 53 s
